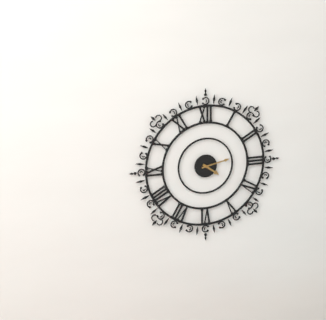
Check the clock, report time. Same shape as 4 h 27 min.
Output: 4 h 13 min
